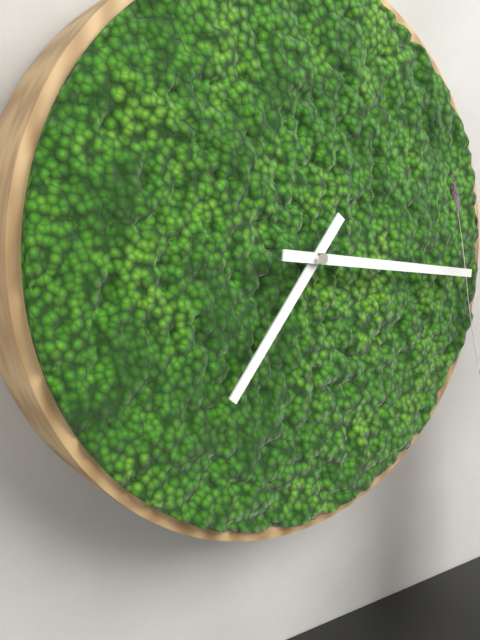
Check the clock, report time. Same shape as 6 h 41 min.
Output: 7 h 16 min
